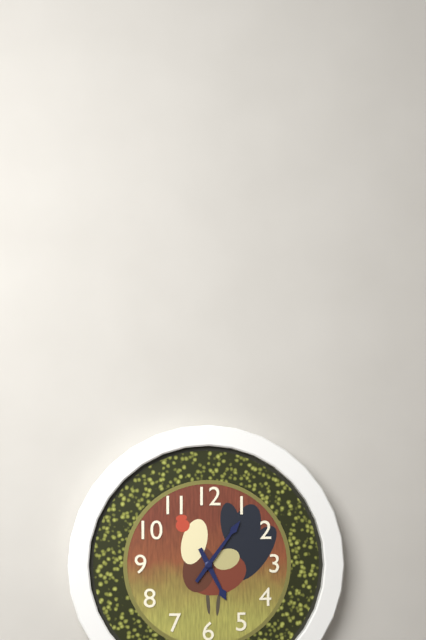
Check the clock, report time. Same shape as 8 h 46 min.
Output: 5 h 06 min
